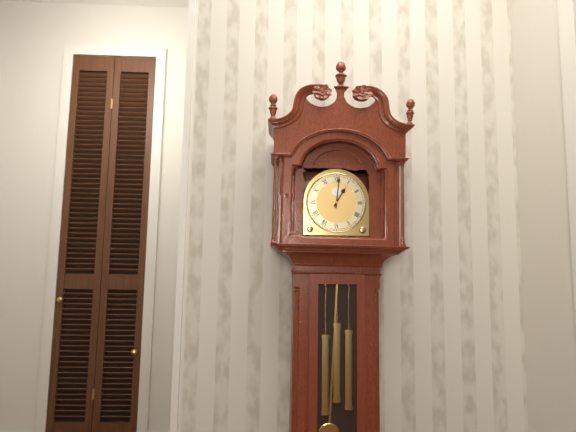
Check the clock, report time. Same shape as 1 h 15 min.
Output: 1 h 01 min
